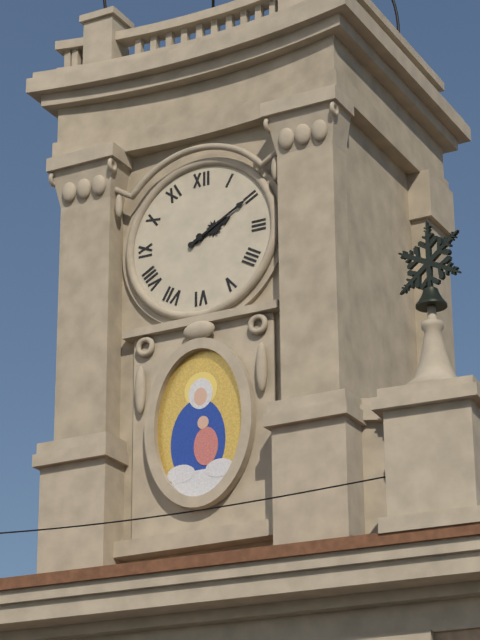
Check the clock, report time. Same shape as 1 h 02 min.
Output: 2 h 10 min
